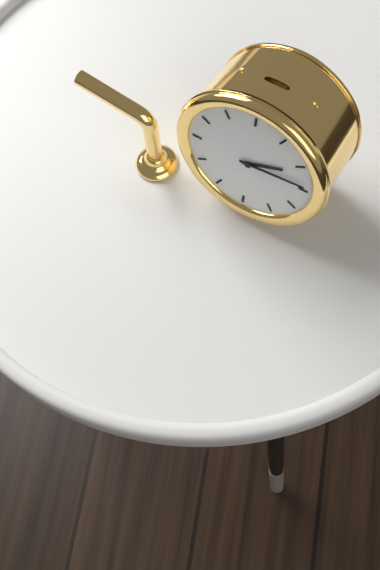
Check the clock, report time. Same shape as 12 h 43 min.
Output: 2 h 14 min
